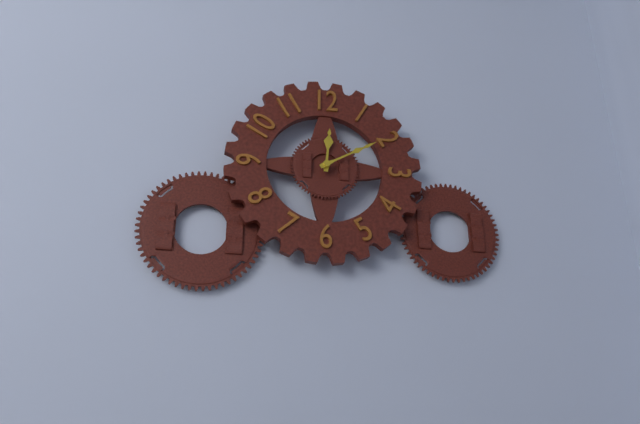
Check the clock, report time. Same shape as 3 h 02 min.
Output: 12 h 10 min
